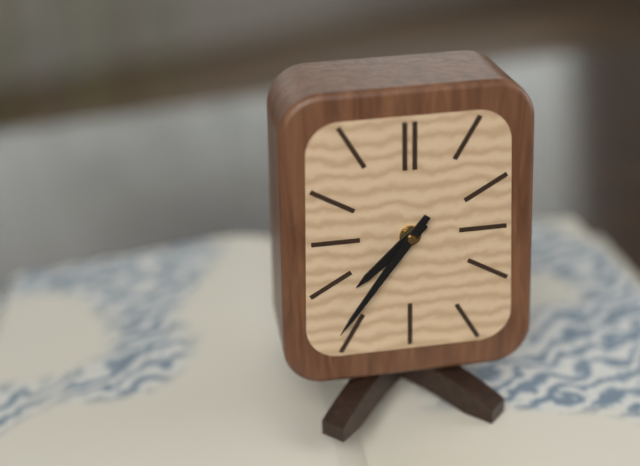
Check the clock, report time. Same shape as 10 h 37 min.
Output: 7 h 36 min
